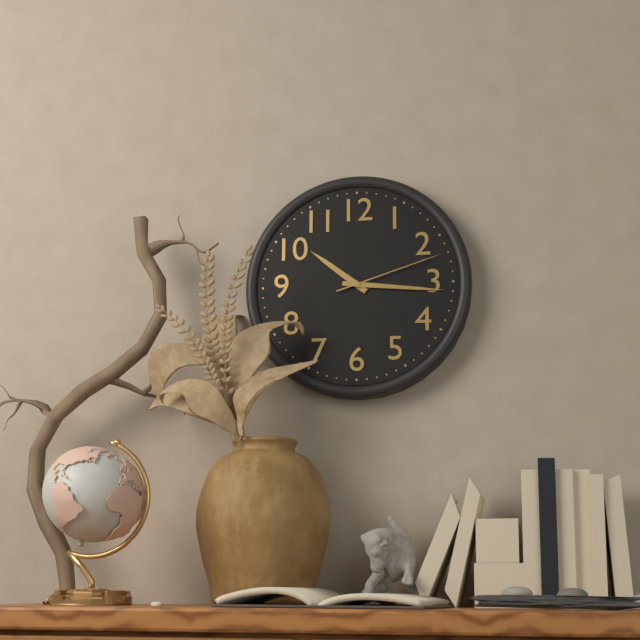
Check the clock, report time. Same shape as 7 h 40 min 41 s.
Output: 10 h 16 min 12 s
